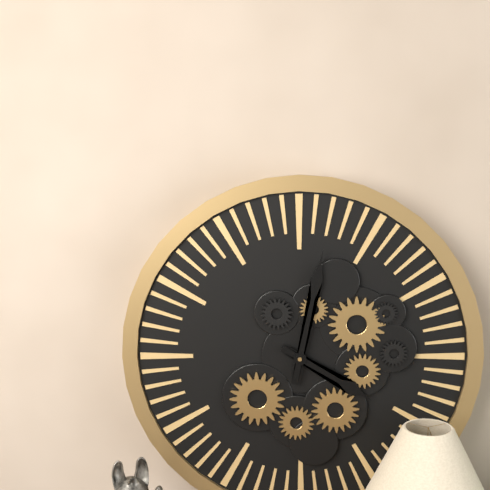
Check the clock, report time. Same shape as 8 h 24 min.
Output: 4 h 02 min
